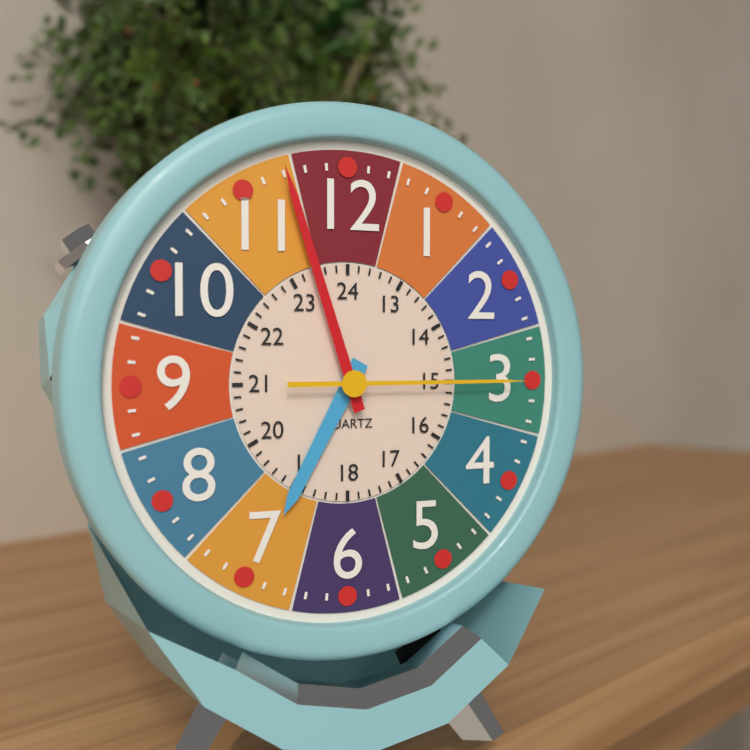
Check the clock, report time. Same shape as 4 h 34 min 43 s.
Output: 6 h 57 min 15 s
